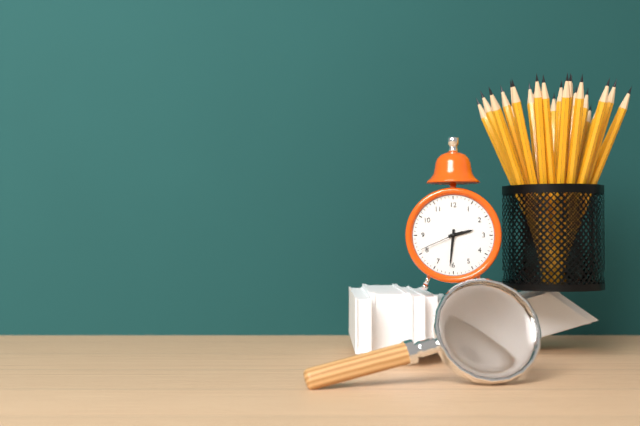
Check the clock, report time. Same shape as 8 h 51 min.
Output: 2 h 31 min
